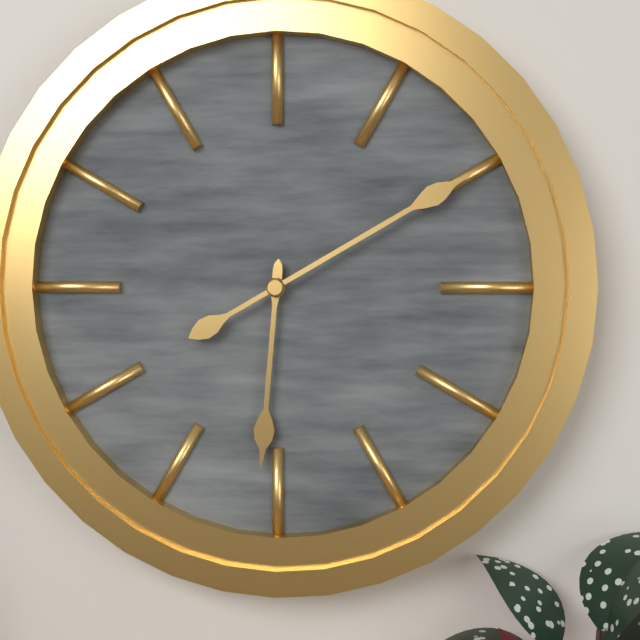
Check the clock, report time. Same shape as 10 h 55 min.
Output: 6 h 10 min
